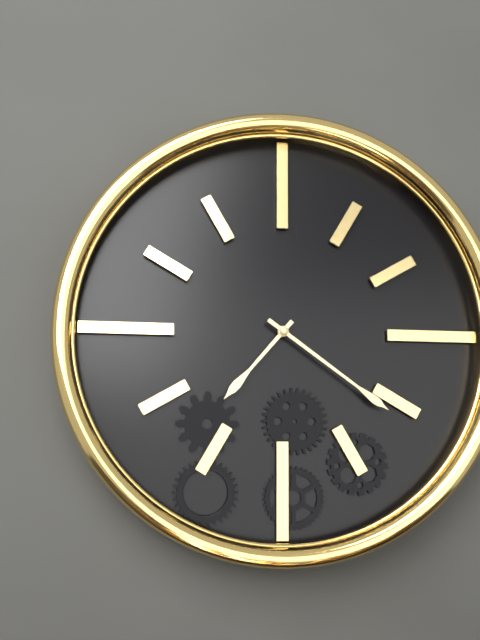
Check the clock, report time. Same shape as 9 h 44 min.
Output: 7 h 21 min
